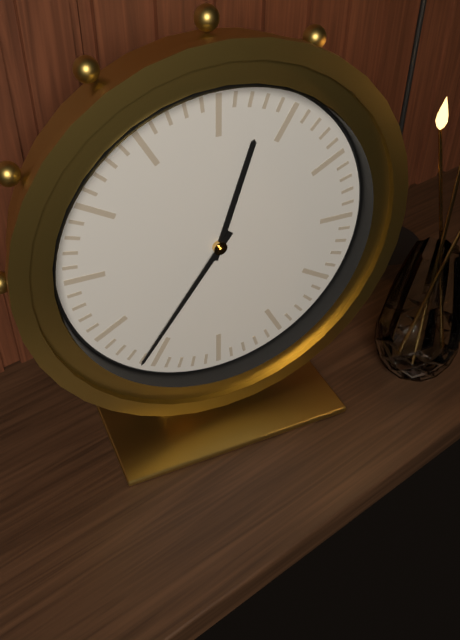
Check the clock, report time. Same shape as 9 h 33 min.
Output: 12 h 36 min
